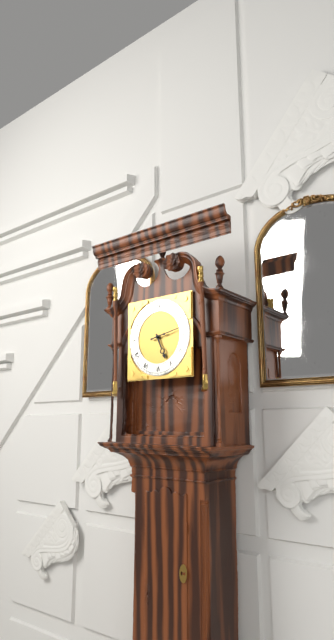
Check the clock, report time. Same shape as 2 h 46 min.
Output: 5 h 13 min
